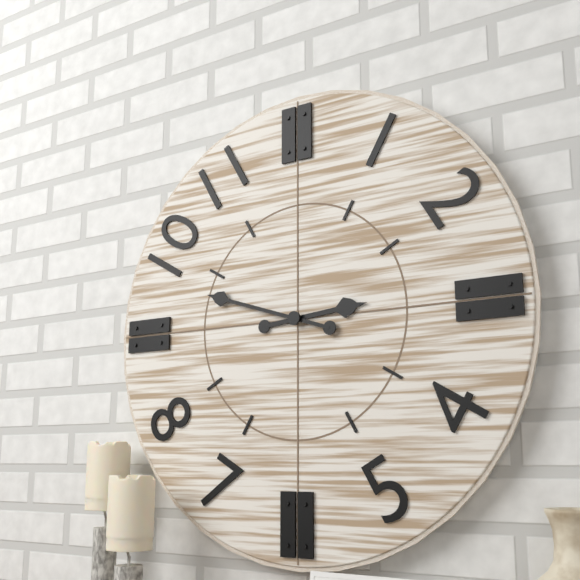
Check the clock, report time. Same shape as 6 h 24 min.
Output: 2 h 48 min
